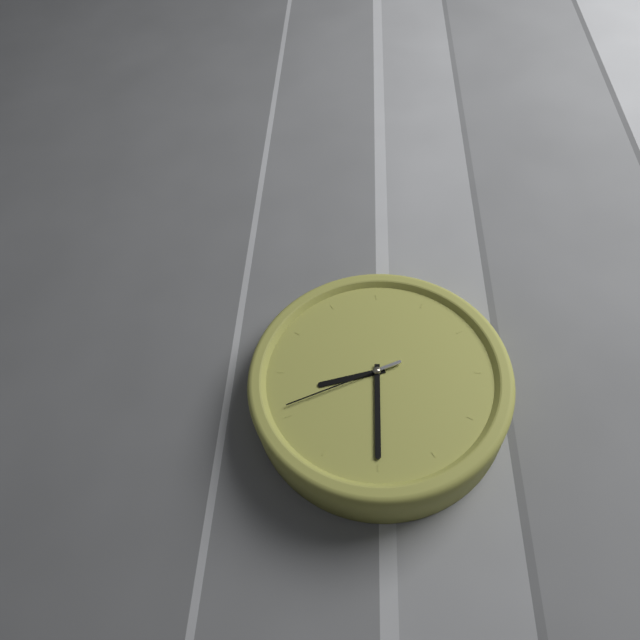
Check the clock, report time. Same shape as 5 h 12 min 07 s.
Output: 8 h 30 min 41 s
